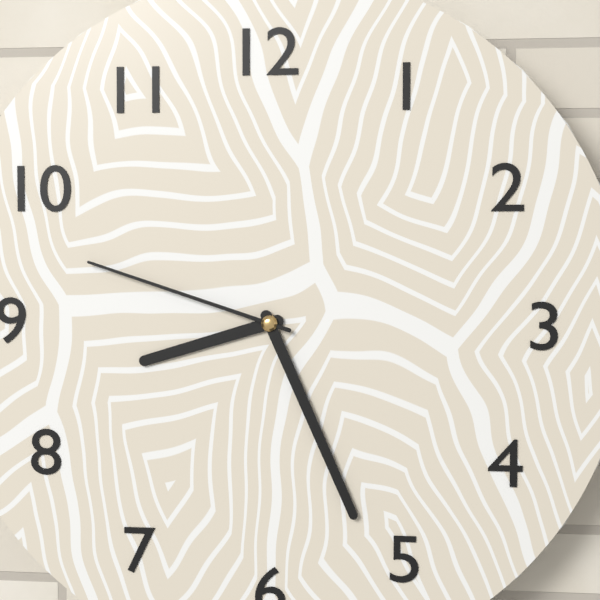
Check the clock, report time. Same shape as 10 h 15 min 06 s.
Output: 8 h 26 min 48 s
